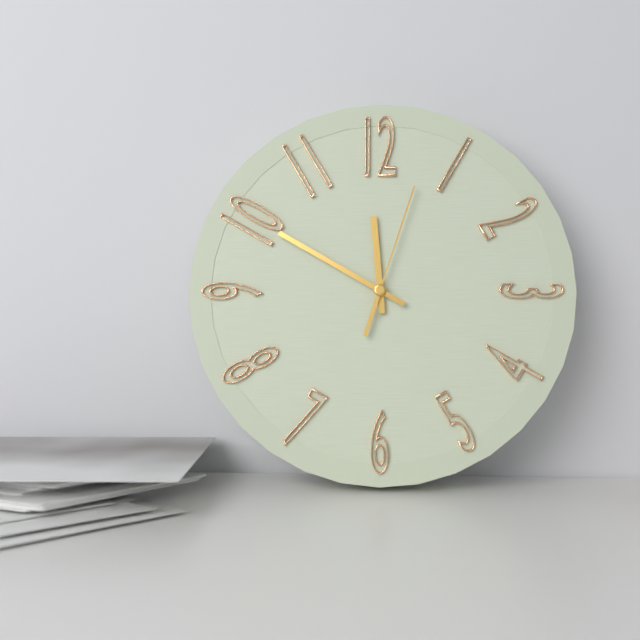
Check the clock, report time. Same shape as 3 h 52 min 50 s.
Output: 11 h 50 min 03 s
